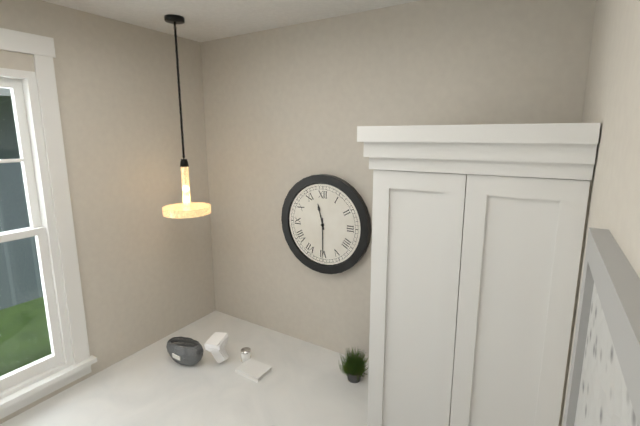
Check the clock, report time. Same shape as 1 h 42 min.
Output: 11 h 30 min
